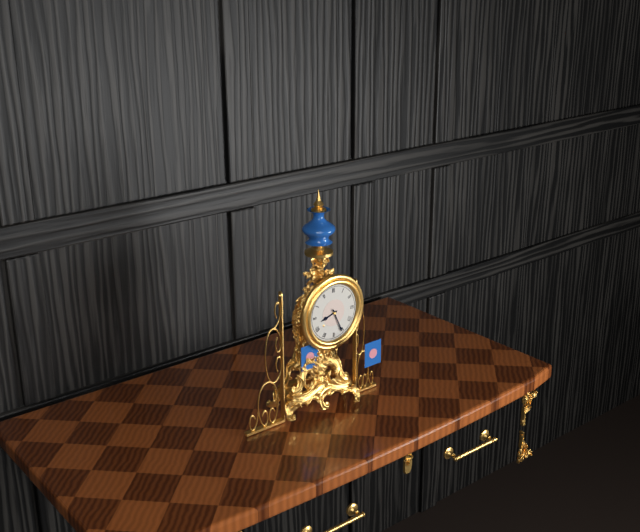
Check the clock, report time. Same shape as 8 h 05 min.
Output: 8 h 26 min
